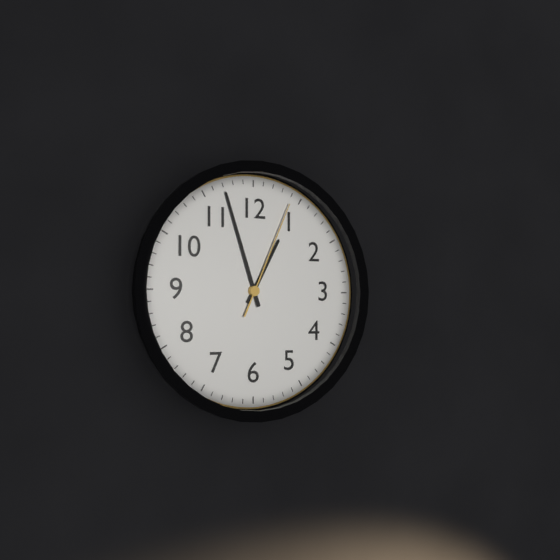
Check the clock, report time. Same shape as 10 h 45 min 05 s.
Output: 12 h 57 min 04 s
